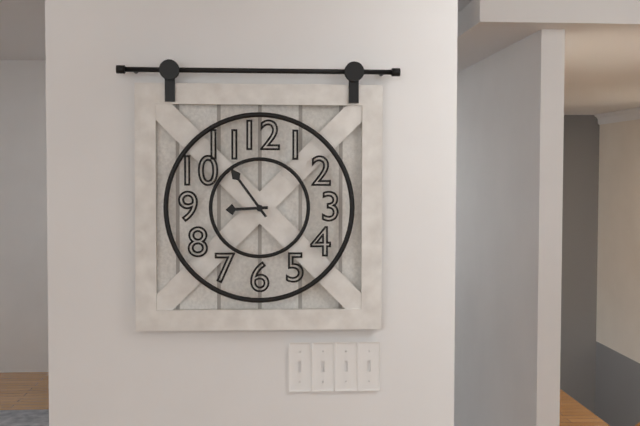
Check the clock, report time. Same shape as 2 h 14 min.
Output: 8 h 54 min
